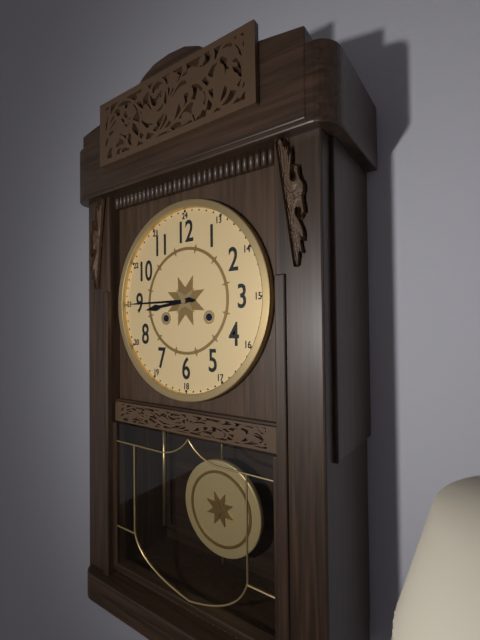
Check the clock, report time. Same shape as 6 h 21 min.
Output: 8 h 45 min
